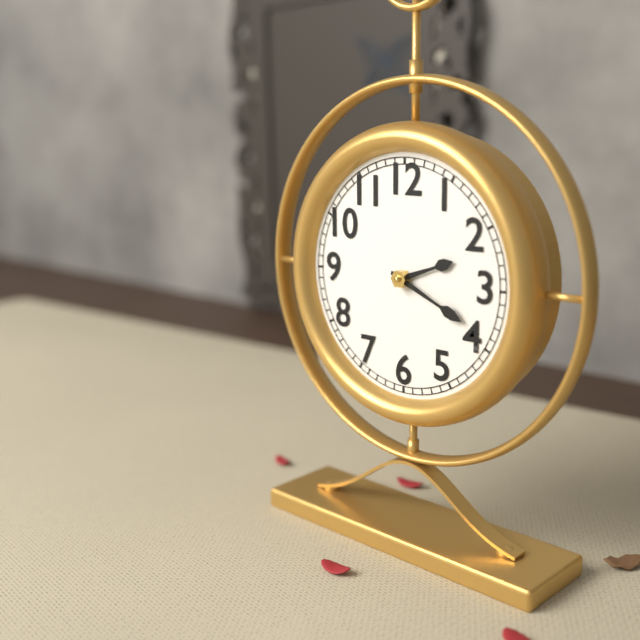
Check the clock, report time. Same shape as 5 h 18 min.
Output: 2 h 19 min
